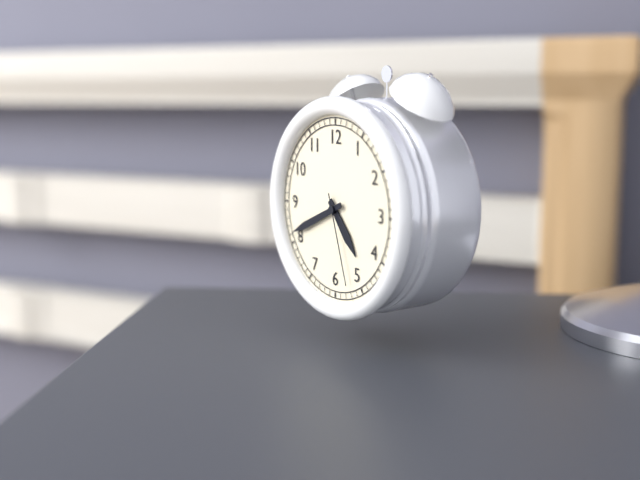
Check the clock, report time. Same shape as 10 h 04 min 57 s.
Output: 4 h 41 min 27 s
